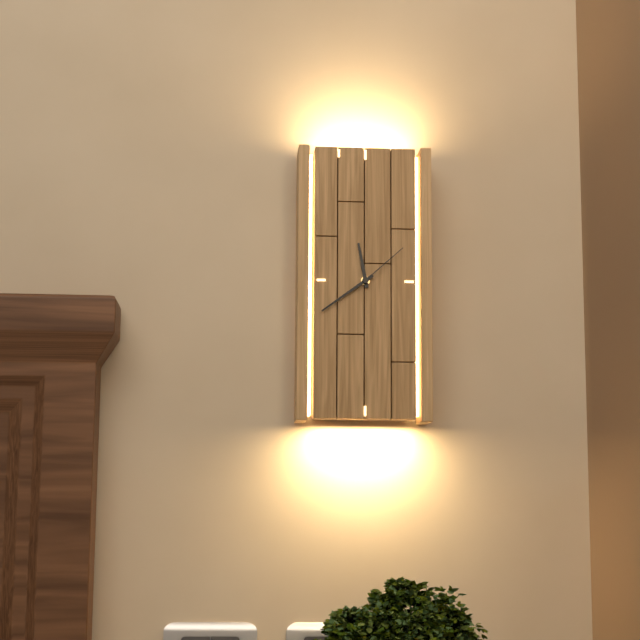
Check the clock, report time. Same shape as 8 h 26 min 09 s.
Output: 11 h 39 min 08 s
